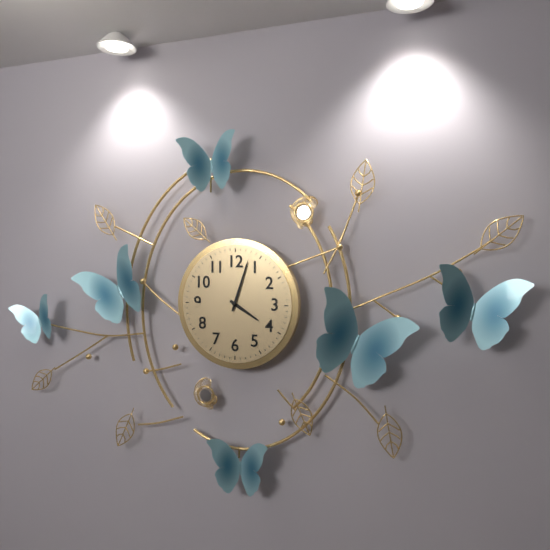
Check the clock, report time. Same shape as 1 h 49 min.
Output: 4 h 03 min
